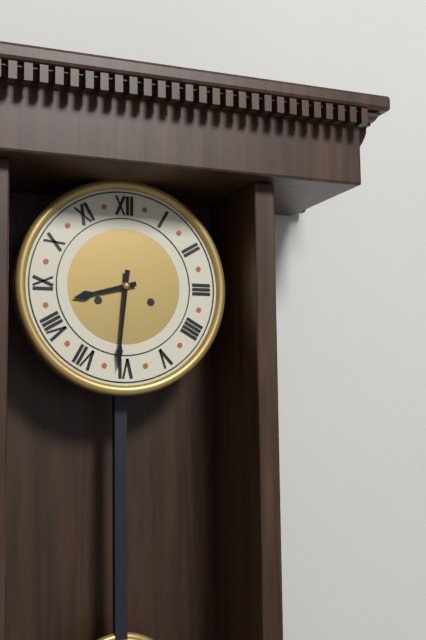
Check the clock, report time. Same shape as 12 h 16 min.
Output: 8 h 31 min
